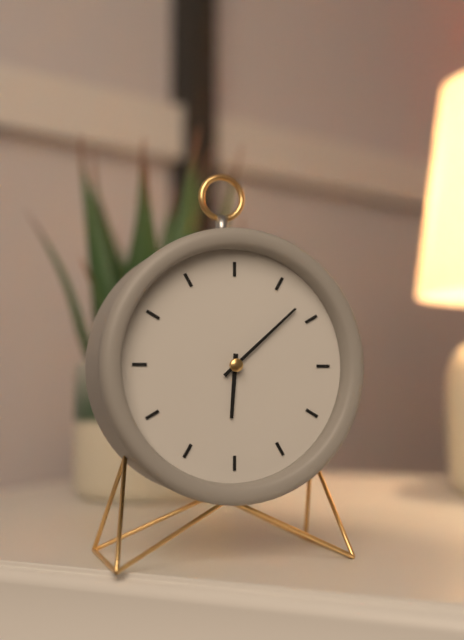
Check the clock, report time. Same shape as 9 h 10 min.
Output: 6 h 08 min
